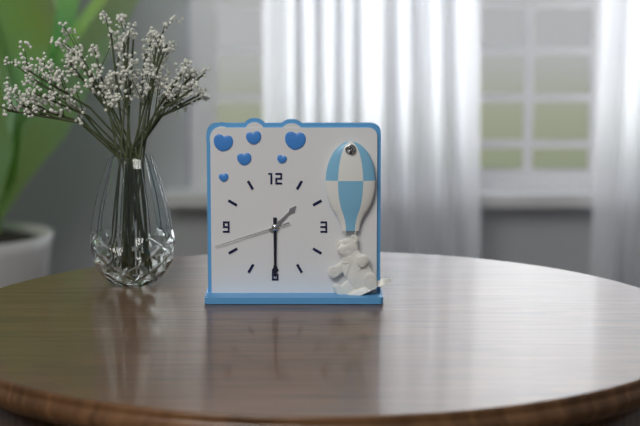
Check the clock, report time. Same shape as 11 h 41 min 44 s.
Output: 1 h 30 min 42 s
